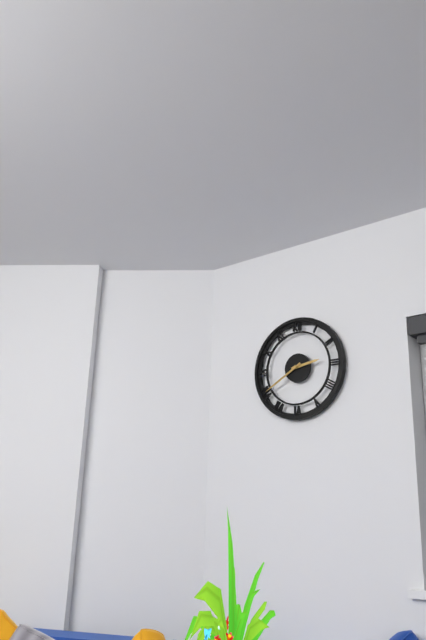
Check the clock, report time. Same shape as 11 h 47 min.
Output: 2 h 40 min
